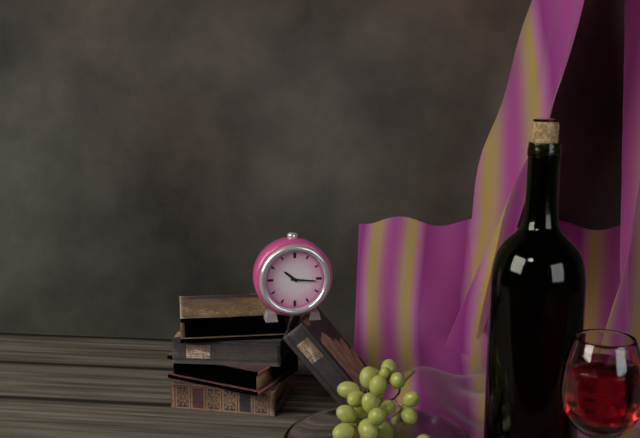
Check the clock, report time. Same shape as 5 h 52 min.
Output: 10 h 16 min
